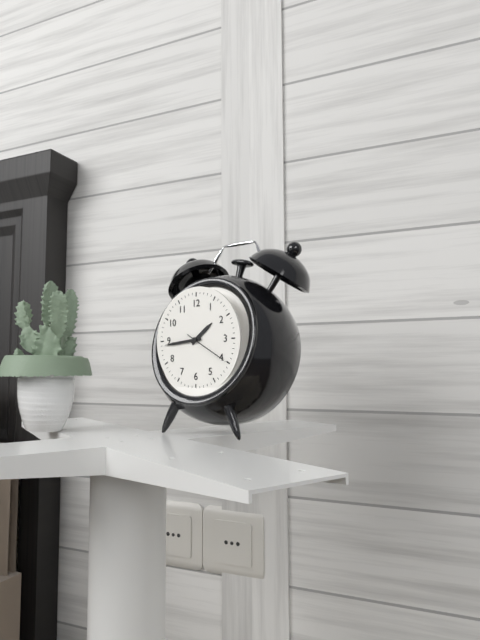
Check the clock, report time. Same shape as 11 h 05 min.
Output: 1 h 44 min
